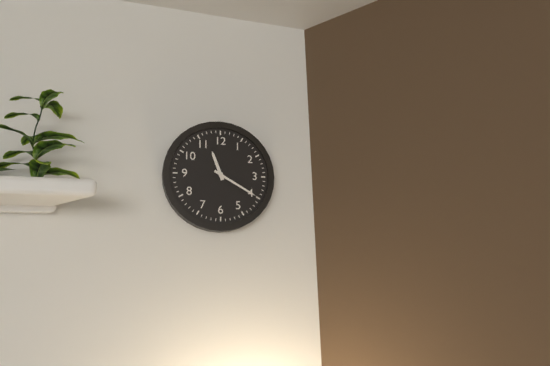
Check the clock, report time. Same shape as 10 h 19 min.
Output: 11 h 20 min
